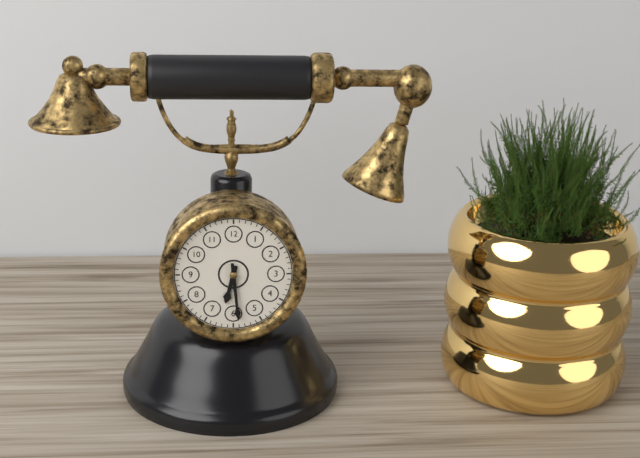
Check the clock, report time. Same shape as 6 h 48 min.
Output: 6 h 29 min
